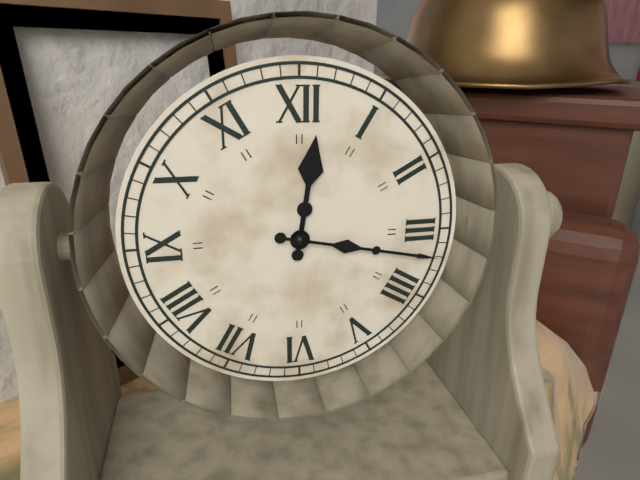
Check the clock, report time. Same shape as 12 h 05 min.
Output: 12 h 17 min
